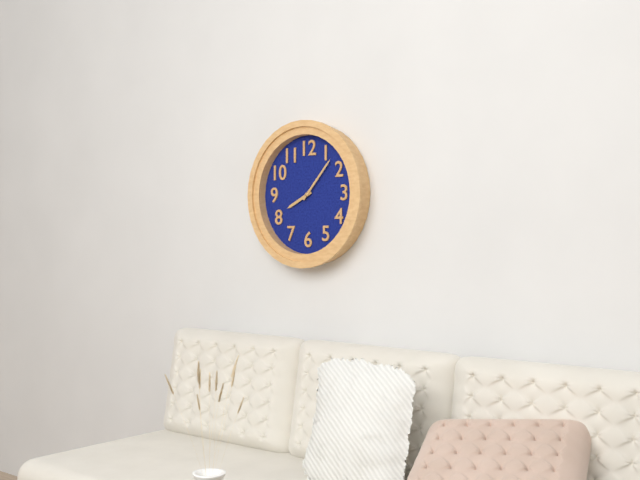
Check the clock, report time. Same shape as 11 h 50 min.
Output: 8 h 07 min
